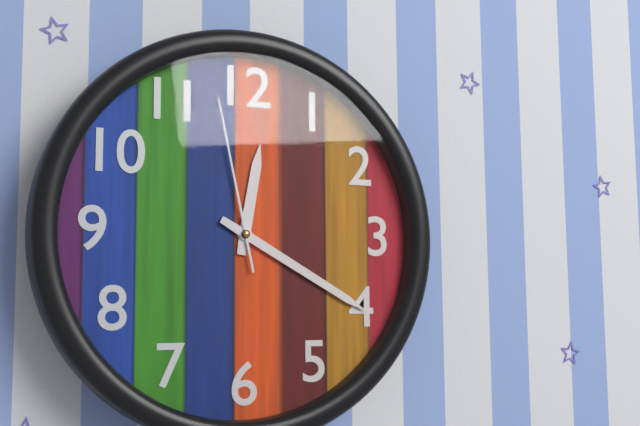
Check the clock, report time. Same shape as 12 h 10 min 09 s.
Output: 12 h 20 min 58 s
